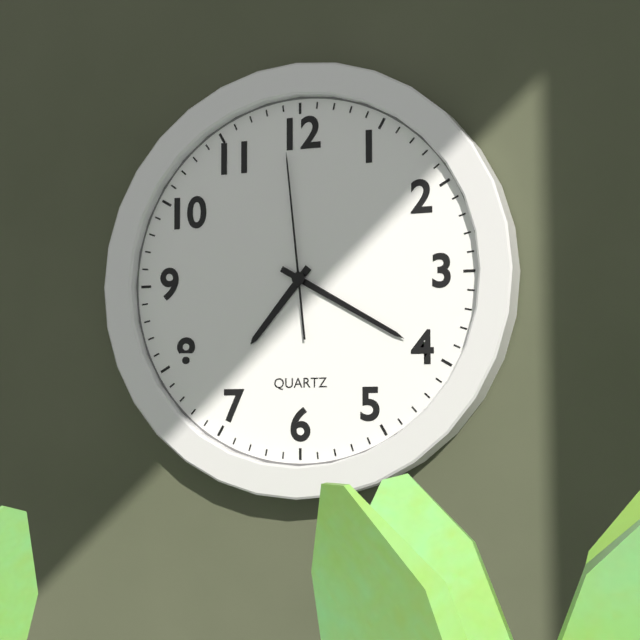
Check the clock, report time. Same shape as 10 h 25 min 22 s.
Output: 7 h 20 min 59 s
